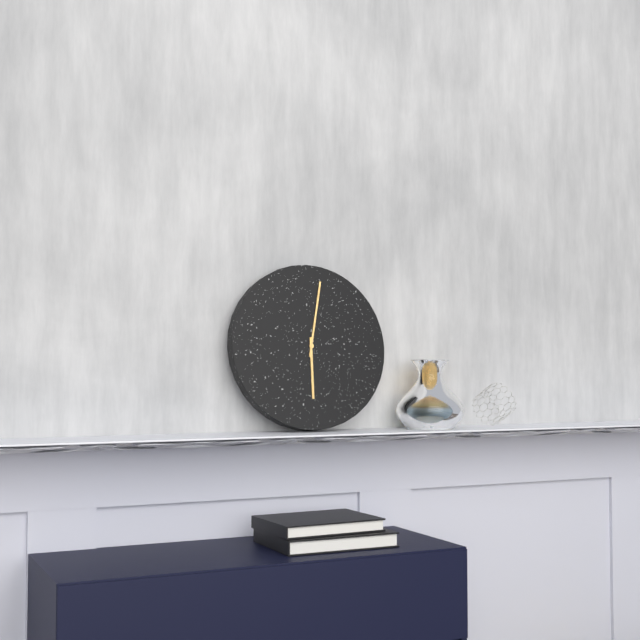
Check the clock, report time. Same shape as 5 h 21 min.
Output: 6 h 02 min
